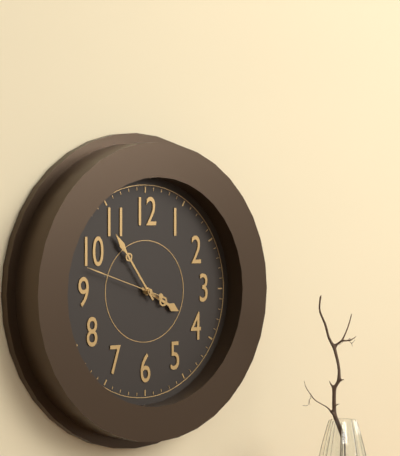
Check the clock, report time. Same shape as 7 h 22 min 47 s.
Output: 3 h 54 min 48 s
